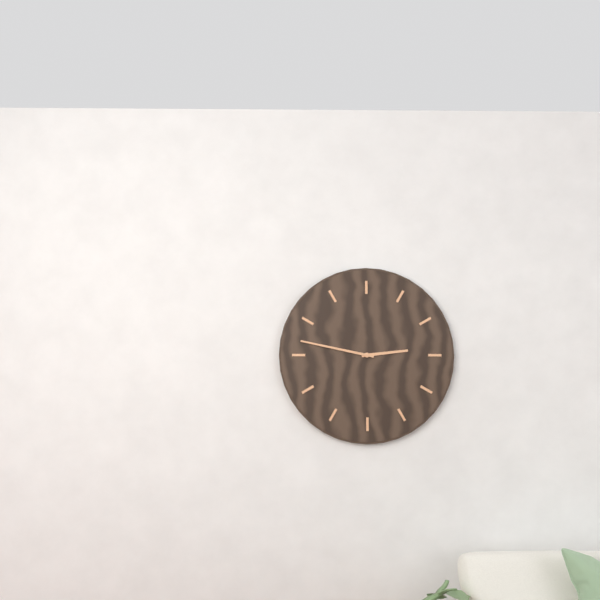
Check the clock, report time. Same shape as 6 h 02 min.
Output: 2 h 47 min
